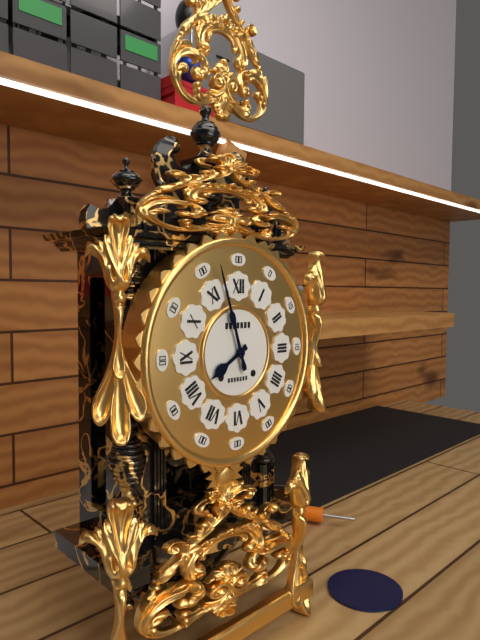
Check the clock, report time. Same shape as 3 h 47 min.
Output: 7 h 57 min
